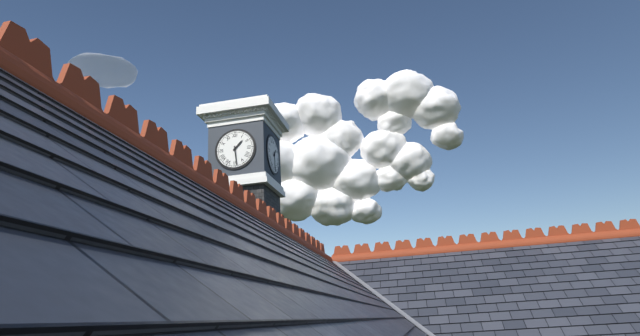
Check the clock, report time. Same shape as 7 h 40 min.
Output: 1 h 29 min
